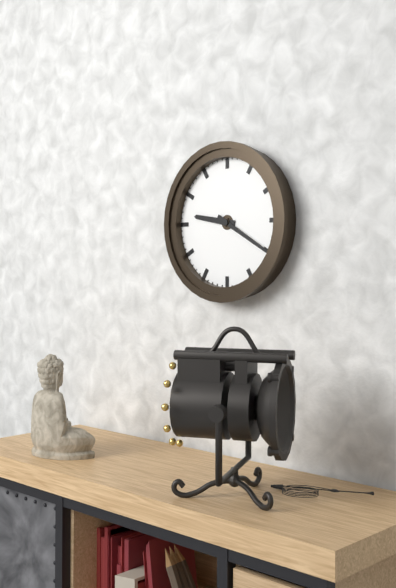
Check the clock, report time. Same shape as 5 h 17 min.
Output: 9 h 20 min
